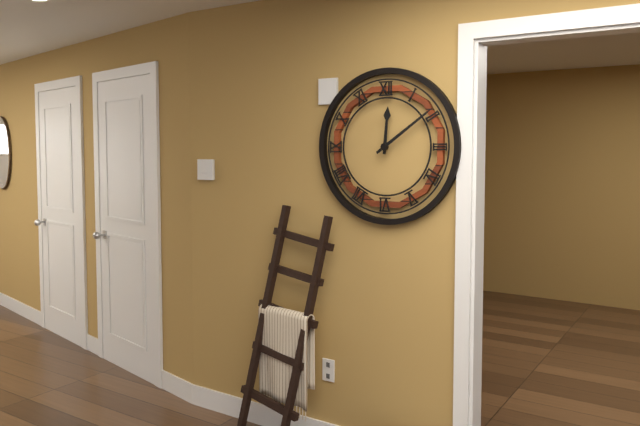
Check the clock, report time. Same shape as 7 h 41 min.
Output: 12 h 09 min
